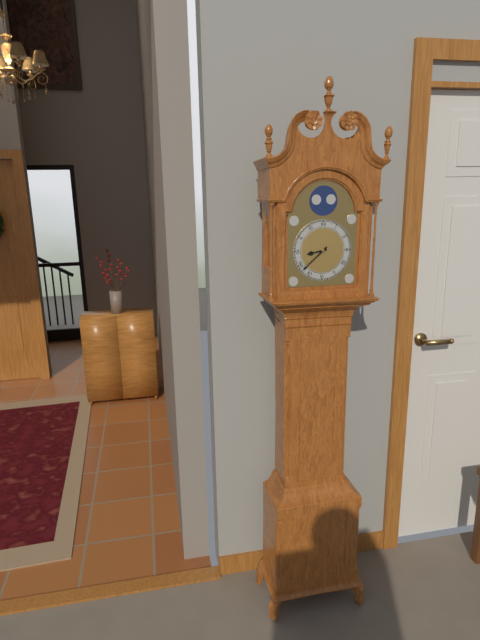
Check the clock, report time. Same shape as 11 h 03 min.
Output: 8 h 38 min
